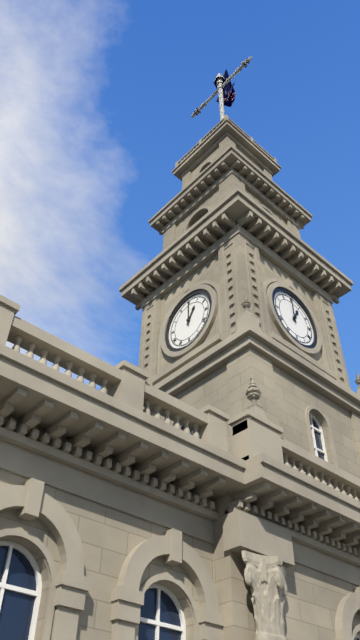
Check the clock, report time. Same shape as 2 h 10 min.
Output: 1 h 00 min
